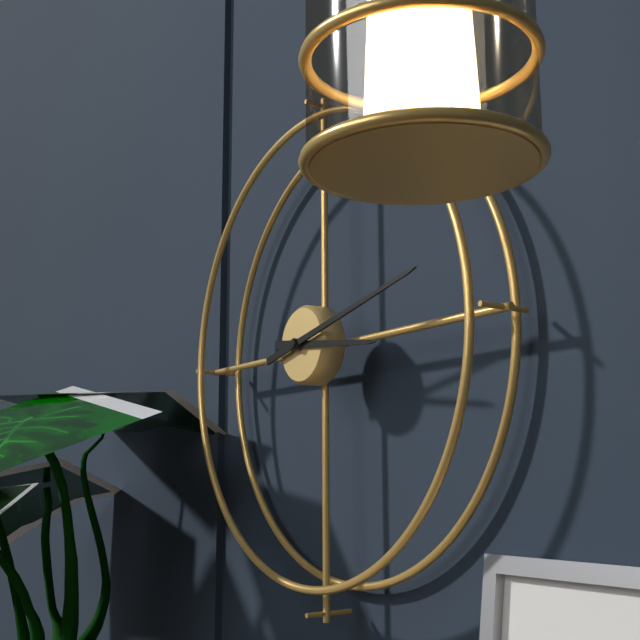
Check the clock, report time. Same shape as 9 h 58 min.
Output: 3 h 13 min
